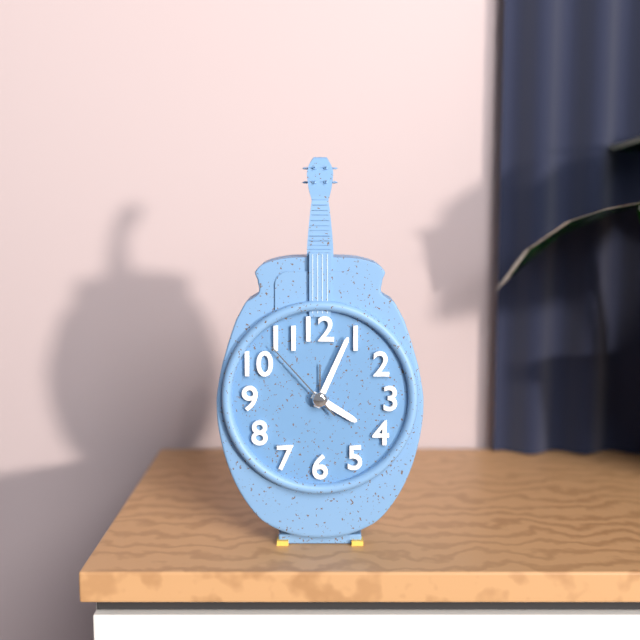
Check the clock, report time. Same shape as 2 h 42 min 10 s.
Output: 4 h 04 min 53 s
